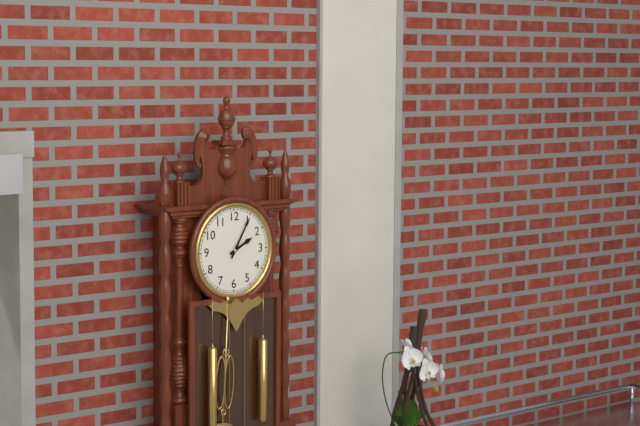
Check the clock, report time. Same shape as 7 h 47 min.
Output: 2 h 05 min
